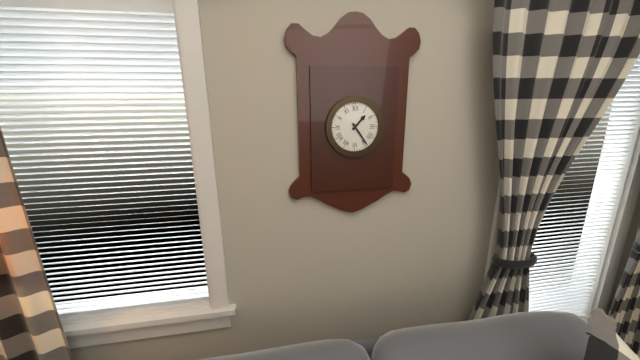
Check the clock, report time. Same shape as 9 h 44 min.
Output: 1 h 24 min
